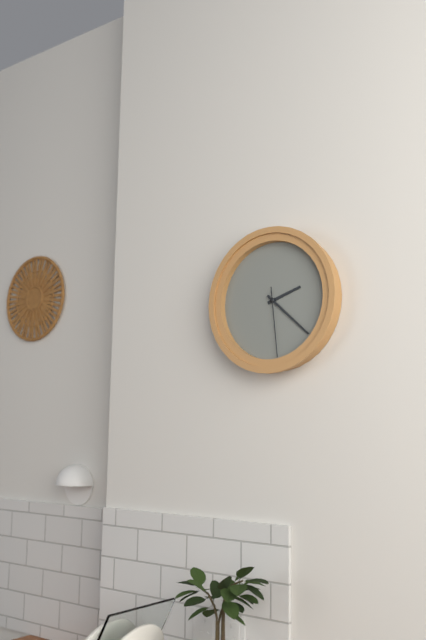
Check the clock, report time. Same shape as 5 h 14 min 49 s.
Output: 2 h 22 min 29 s
